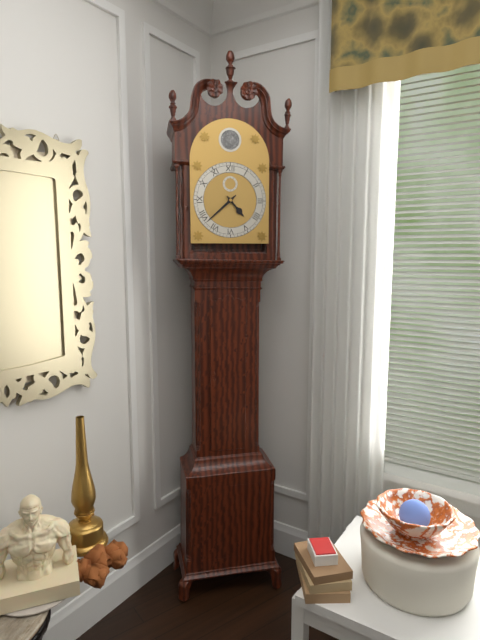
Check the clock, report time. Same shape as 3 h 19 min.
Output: 4 h 38 min
